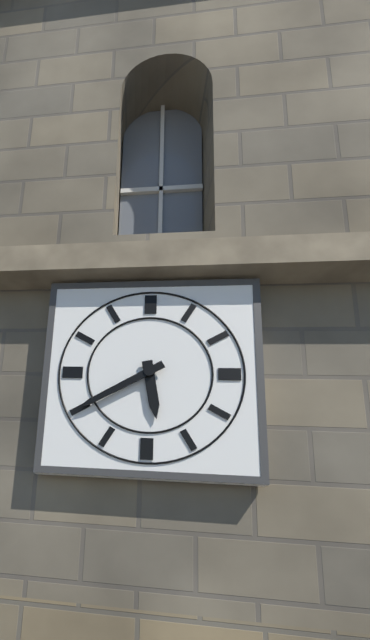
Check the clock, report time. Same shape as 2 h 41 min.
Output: 5 h 40 min
